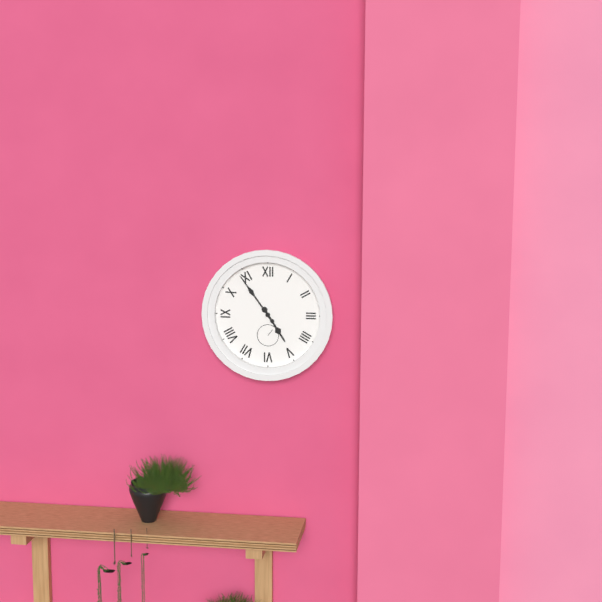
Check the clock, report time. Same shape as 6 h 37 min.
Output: 4 h 54 min
